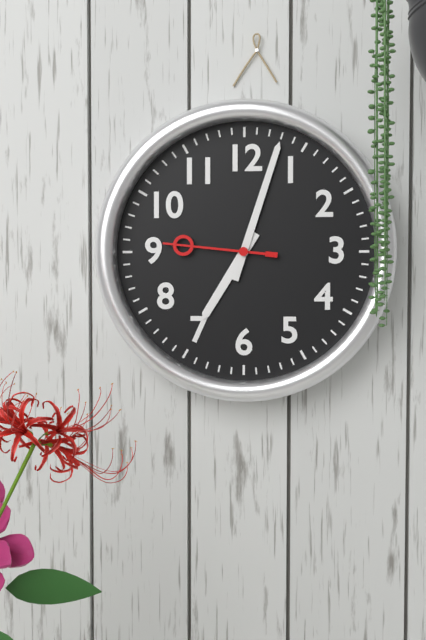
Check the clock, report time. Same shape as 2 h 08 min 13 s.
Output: 7 h 03 min 46 s
